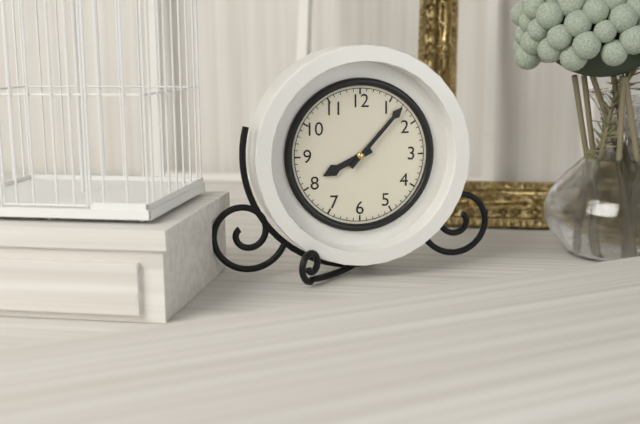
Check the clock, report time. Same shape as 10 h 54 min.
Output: 8 h 07 min
